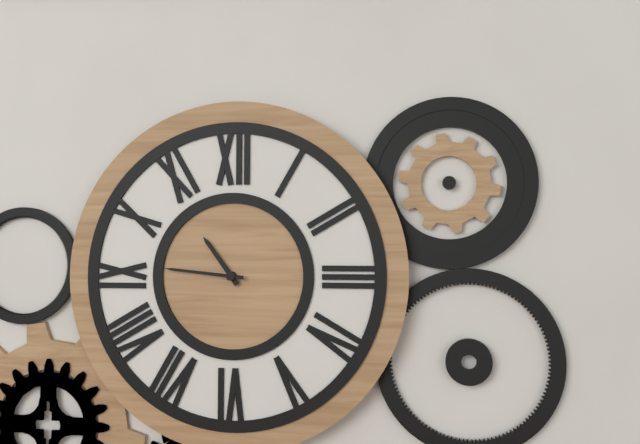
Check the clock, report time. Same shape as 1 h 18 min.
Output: 10 h 46 min
